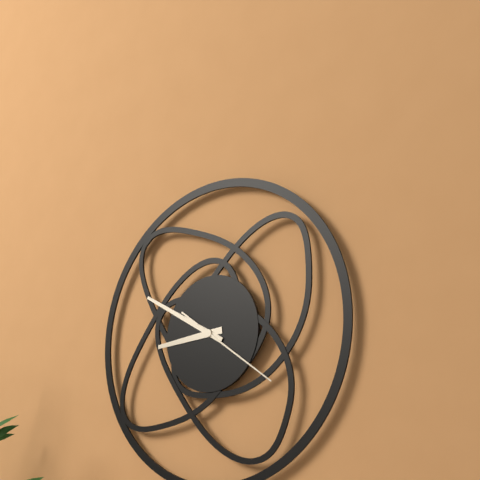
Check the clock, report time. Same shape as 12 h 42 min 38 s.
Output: 8 h 50 min 21 s
